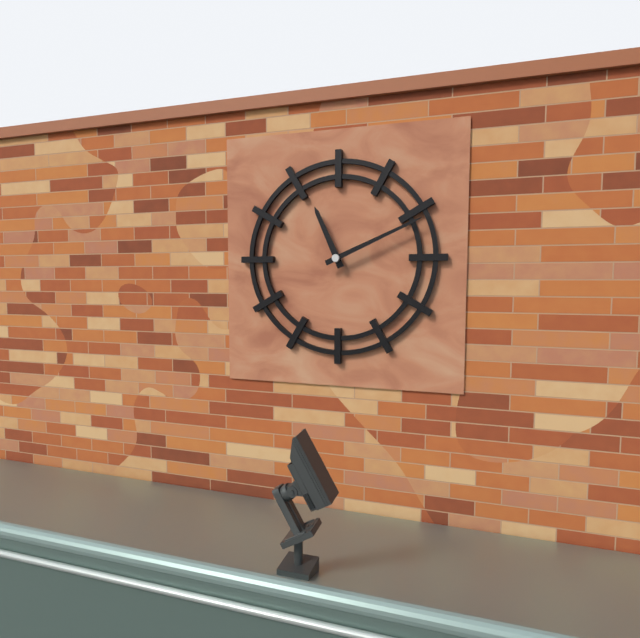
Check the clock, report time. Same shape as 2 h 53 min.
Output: 11 h 11 min
